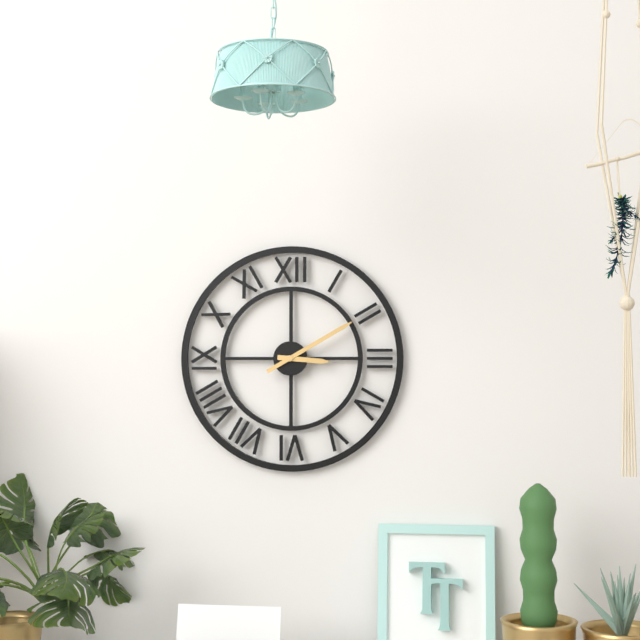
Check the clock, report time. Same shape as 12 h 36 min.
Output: 3 h 10 min
